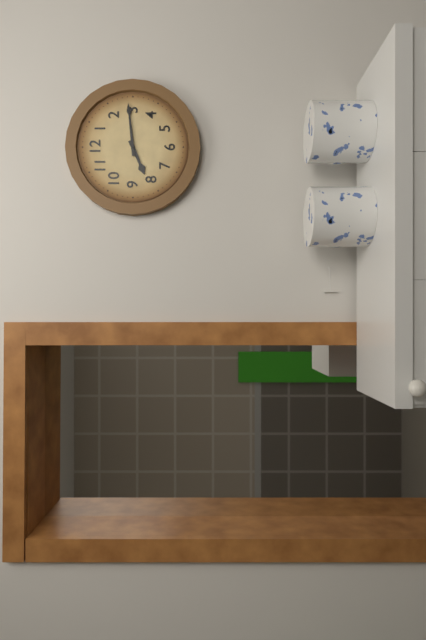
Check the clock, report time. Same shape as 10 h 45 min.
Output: 8 h 14 min
